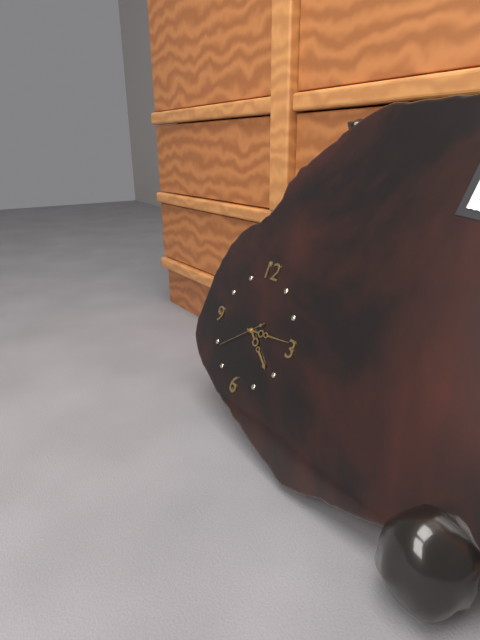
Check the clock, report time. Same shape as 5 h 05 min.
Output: 4 h 14 min
